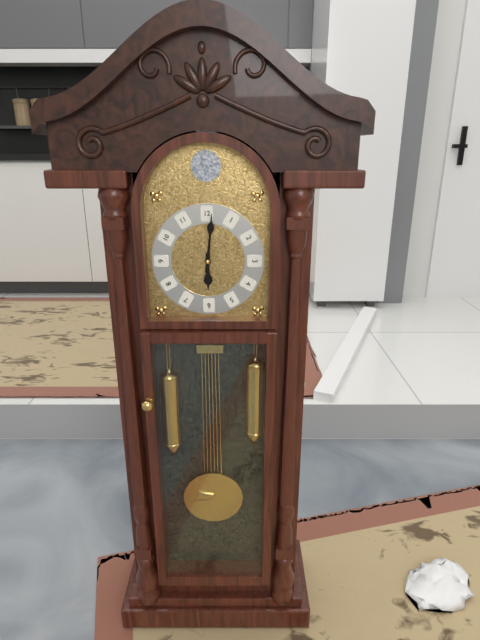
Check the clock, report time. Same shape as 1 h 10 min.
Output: 6 h 01 min
